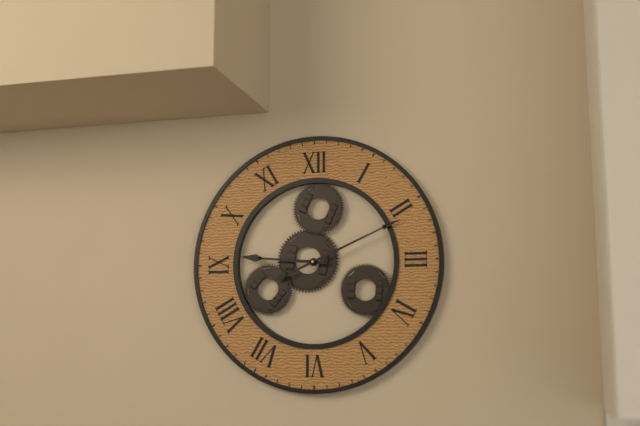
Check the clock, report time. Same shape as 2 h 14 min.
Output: 9 h 11 min
